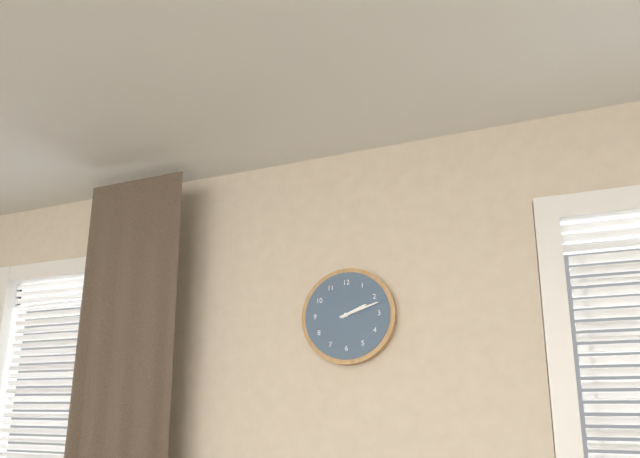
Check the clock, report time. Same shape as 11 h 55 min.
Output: 2 h 12 min
